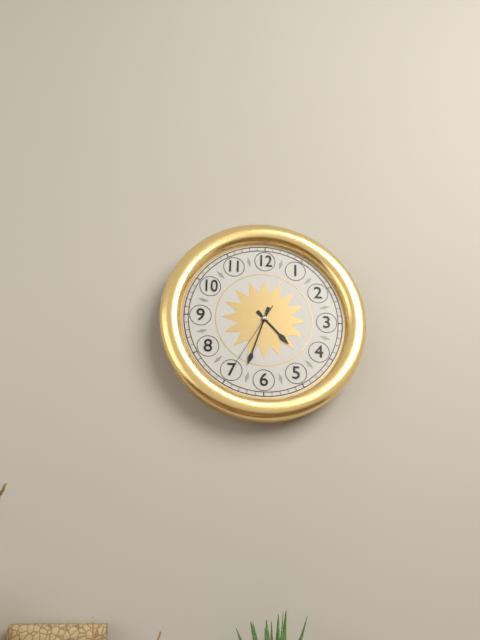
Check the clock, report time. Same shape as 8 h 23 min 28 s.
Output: 4 h 33 min 35 s
